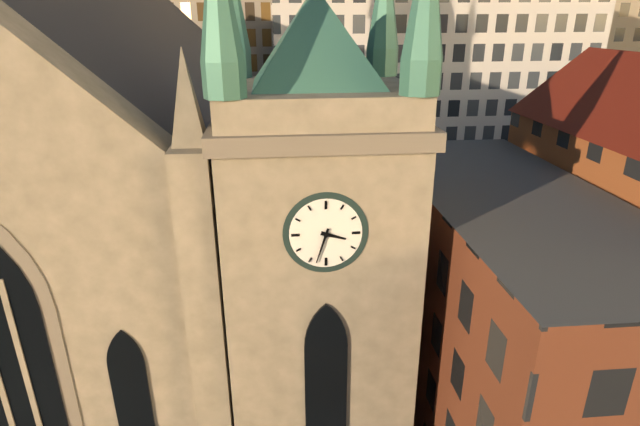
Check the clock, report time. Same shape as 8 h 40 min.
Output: 3 h 33 min
